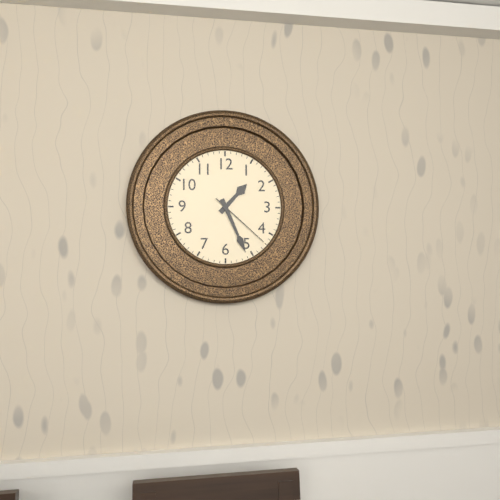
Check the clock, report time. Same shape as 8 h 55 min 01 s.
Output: 1 h 26 min 22 s
